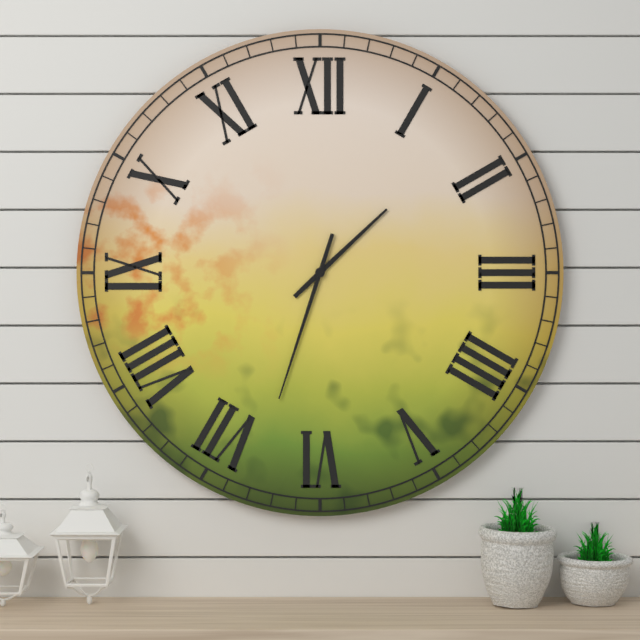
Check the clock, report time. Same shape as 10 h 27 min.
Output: 1 h 33 min
